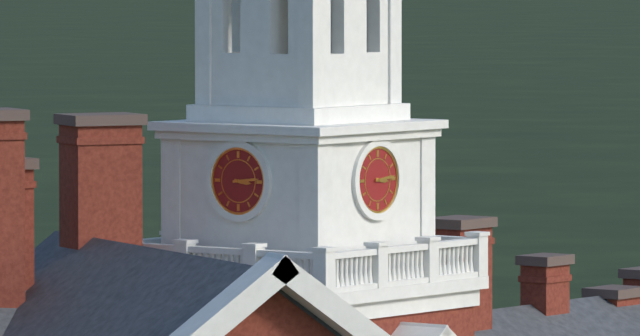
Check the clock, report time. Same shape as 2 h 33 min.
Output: 3 h 14 min
